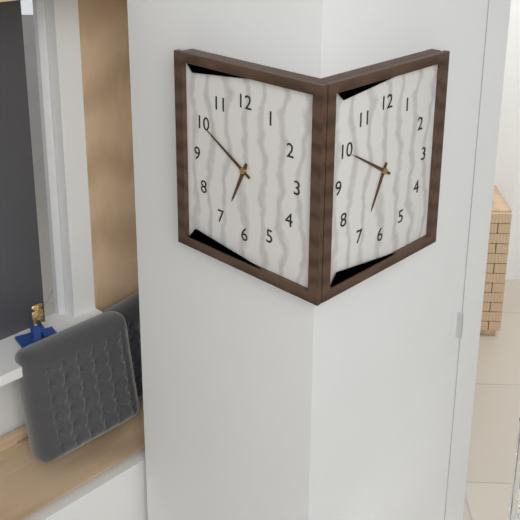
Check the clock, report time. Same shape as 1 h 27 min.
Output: 6 h 50 min
